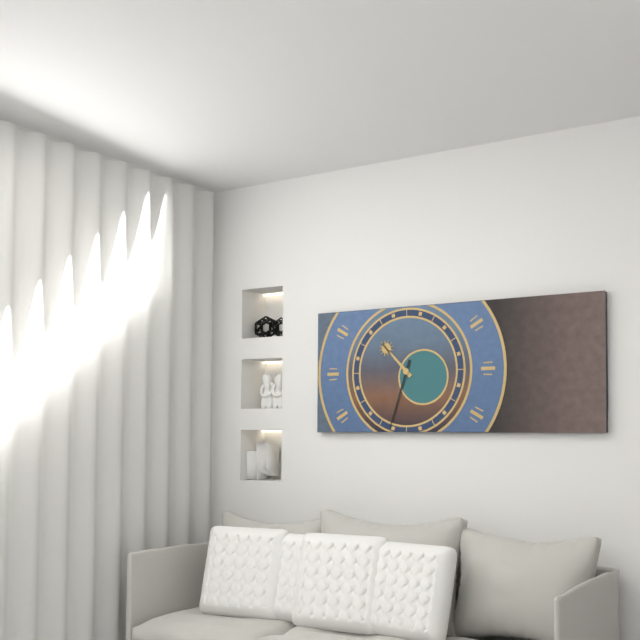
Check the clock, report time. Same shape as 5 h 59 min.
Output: 10 h 33 min
